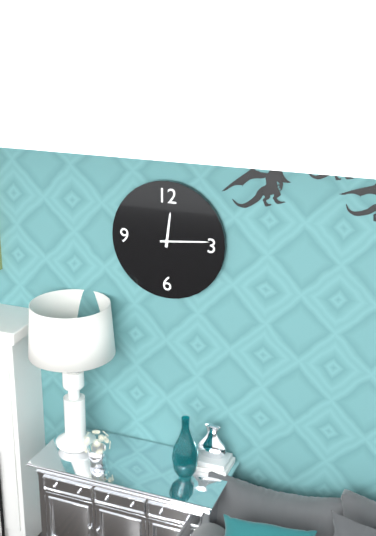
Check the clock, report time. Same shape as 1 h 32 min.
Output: 12 h 14 min
